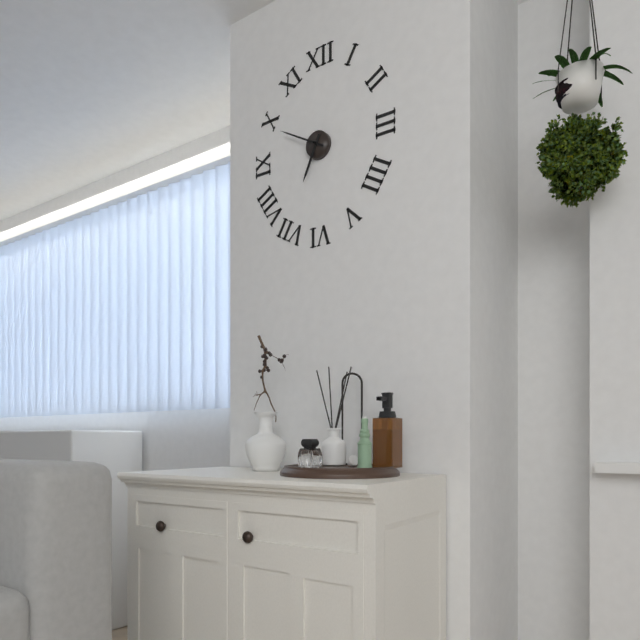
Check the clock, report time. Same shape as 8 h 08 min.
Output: 6 h 50 min
